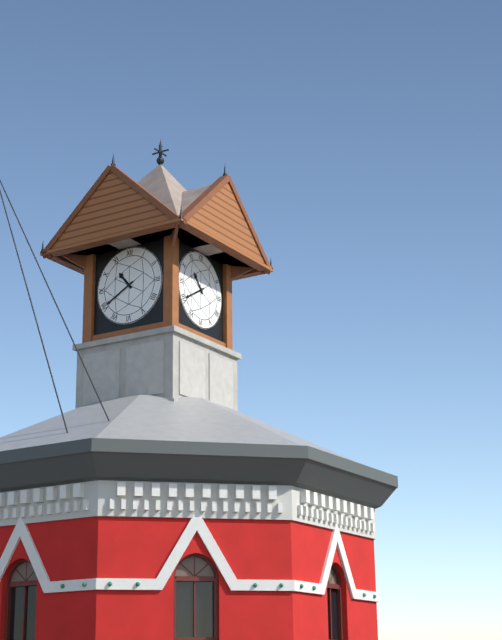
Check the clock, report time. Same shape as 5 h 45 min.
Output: 10 h 40 min
